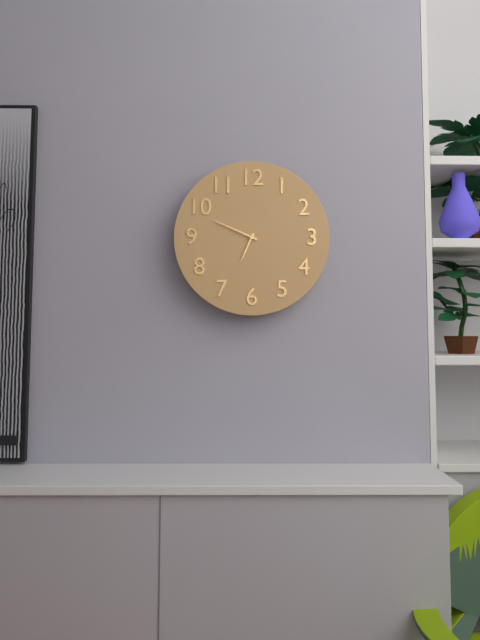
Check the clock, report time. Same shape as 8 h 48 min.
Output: 6 h 49 min
